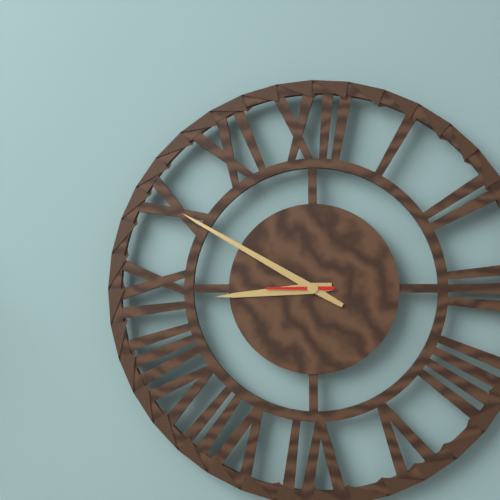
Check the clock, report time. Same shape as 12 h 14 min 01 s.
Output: 8 h 50 min 45 s
